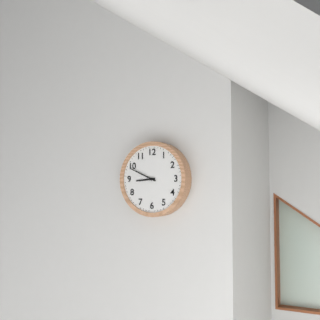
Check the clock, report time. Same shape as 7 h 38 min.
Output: 8 h 49 min
